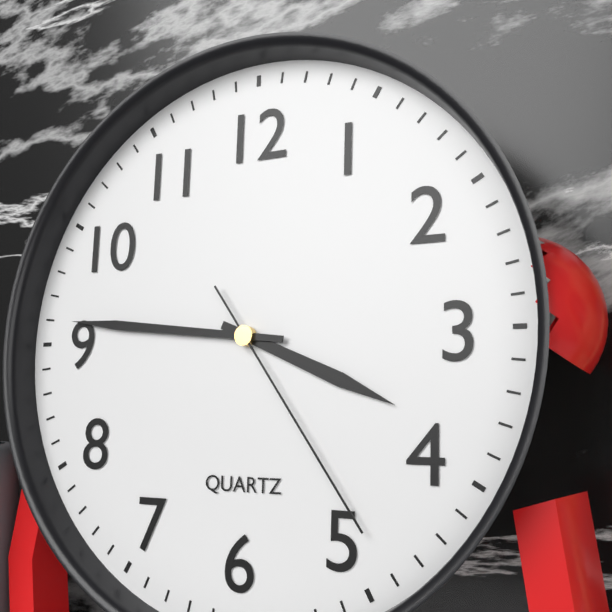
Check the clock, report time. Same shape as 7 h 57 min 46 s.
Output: 3 h 46 min 24 s
